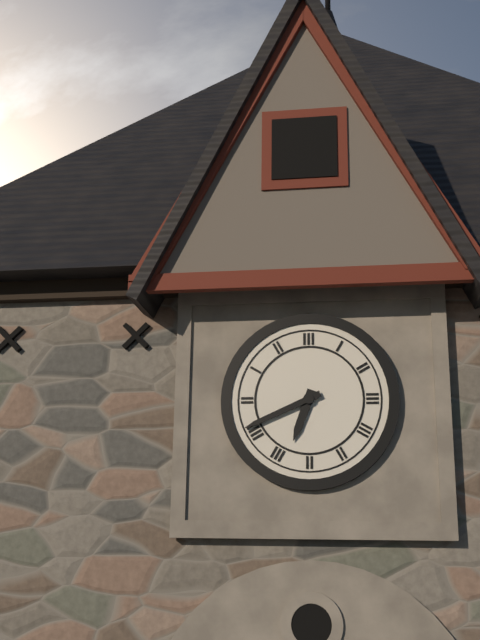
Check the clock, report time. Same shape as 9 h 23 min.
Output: 6 h 41 min
